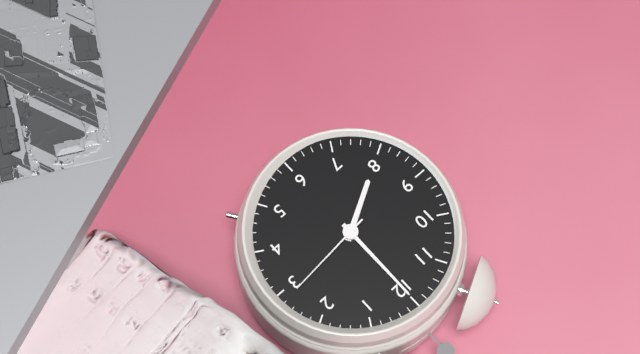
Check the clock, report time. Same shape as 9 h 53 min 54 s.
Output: 8 h 00 min 14 s
